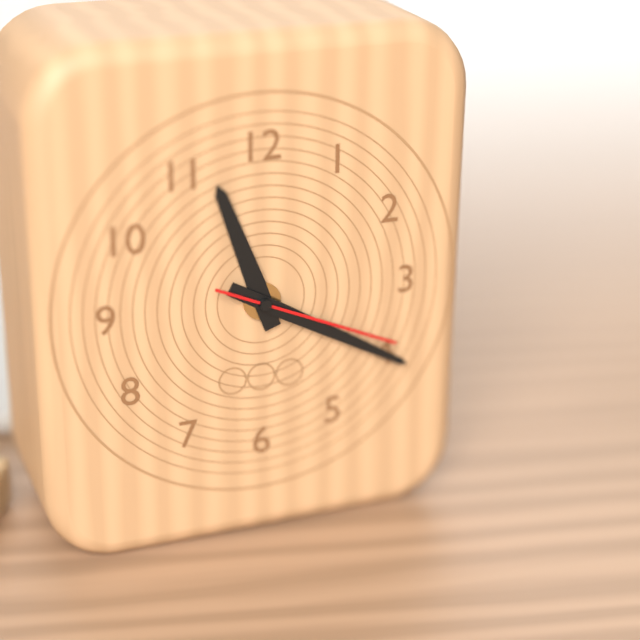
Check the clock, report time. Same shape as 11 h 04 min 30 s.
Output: 11 h 20 min 19 s
